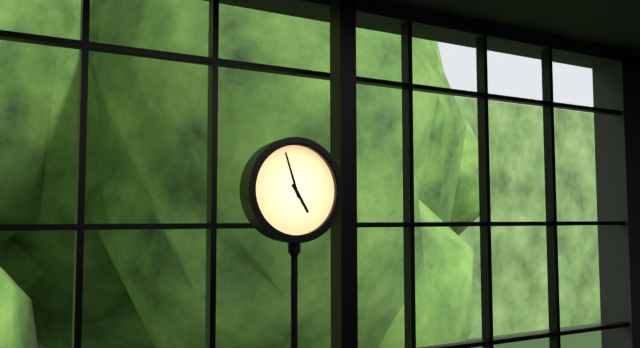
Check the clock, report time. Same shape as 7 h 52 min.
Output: 4 h 57 min
